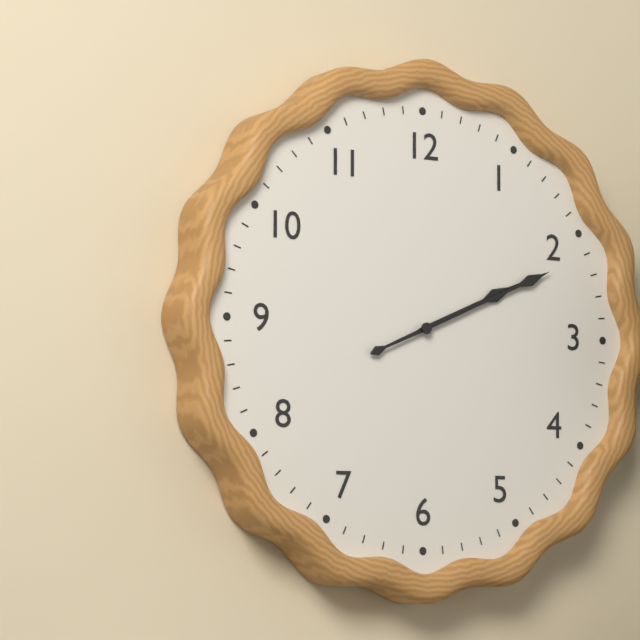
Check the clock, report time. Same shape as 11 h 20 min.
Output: 2 h 11 min
